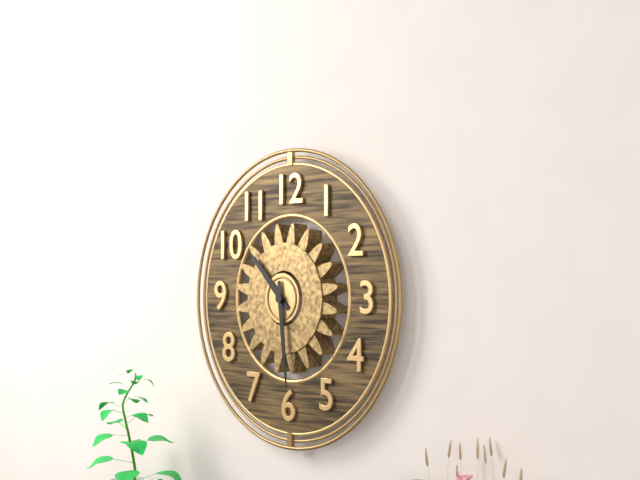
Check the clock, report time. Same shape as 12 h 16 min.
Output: 10 h 29 min
